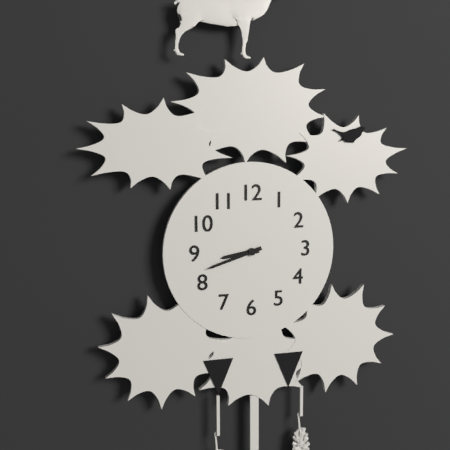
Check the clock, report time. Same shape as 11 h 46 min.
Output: 8 h 42 min
